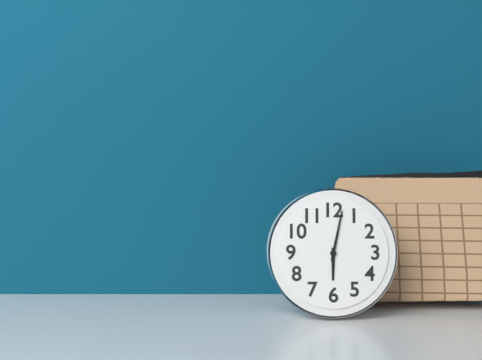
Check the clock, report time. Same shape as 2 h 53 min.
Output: 6 h 02 min
